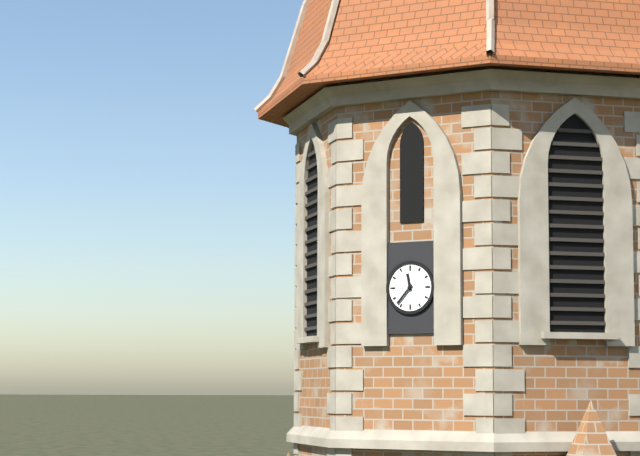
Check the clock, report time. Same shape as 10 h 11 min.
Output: 11 h 37 min
